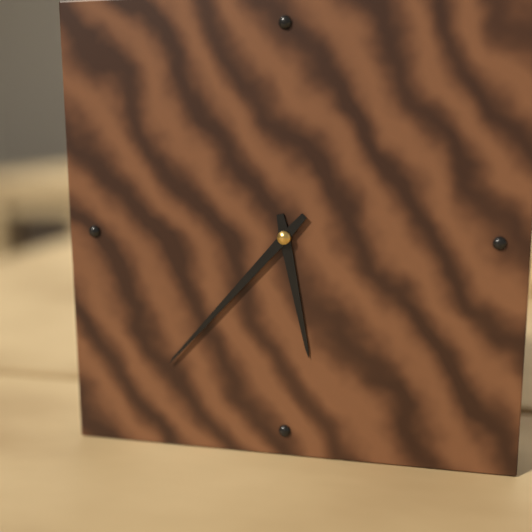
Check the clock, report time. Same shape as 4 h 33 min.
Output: 5 h 37 min
